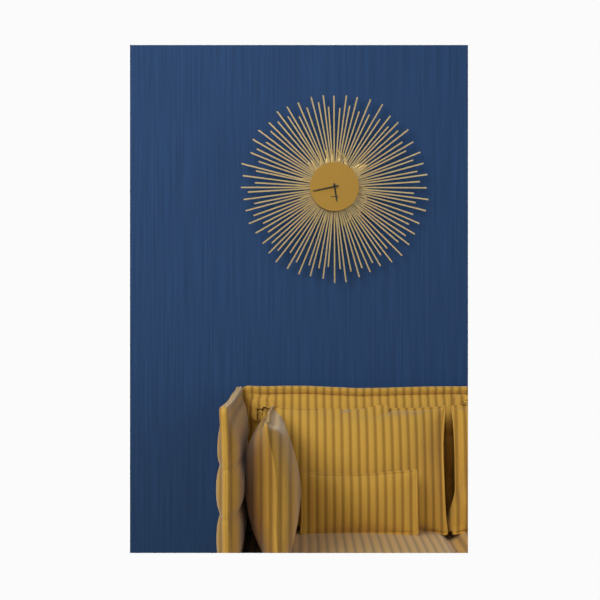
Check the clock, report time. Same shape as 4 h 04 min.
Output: 5 h 43 min
